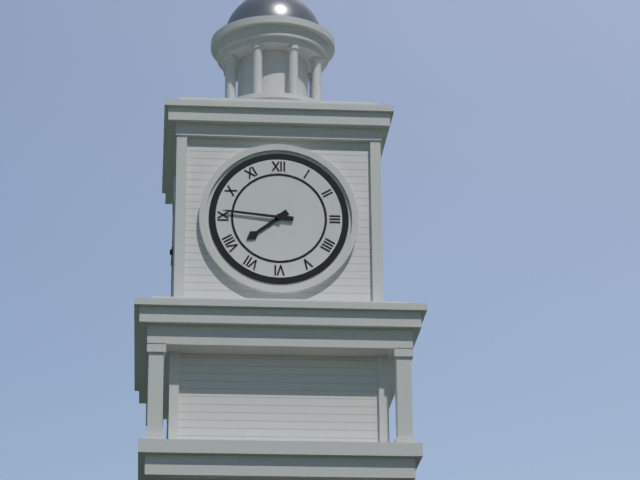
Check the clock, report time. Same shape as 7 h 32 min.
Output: 7 h 46 min
